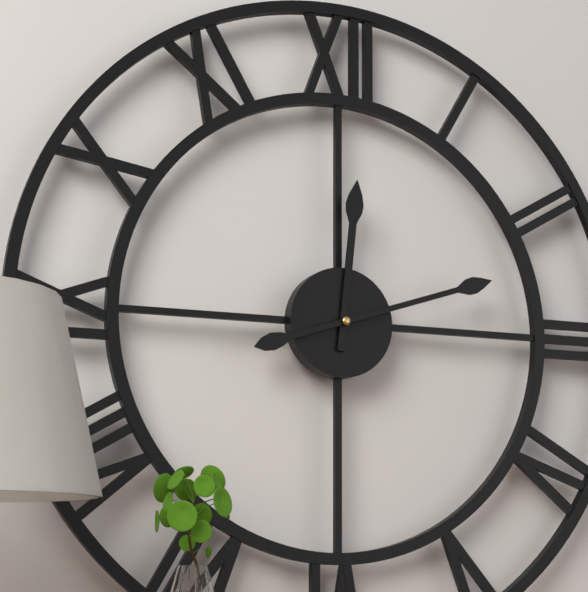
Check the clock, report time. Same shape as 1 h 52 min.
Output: 12 h 12 min
